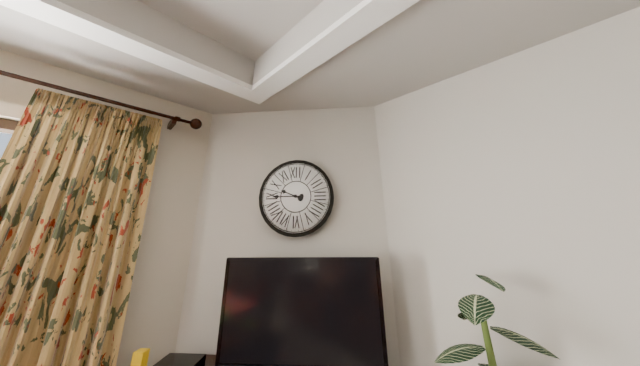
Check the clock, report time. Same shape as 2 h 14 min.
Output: 9 h 45 min
